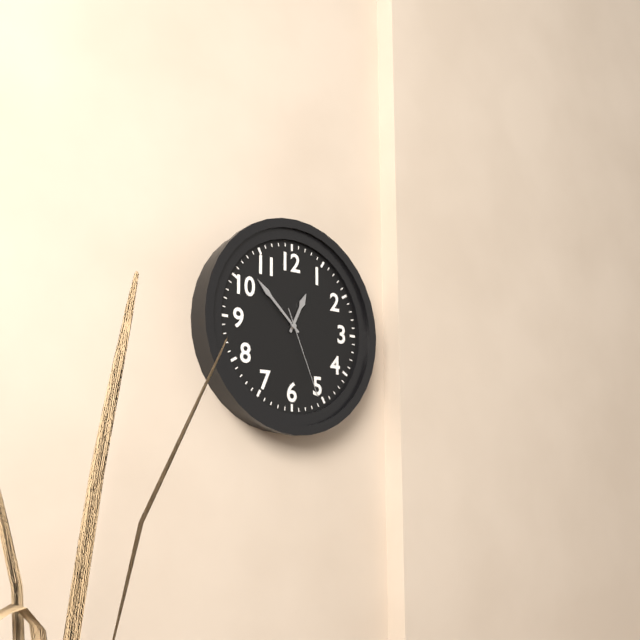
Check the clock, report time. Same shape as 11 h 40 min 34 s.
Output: 12 h 52 min 26 s
